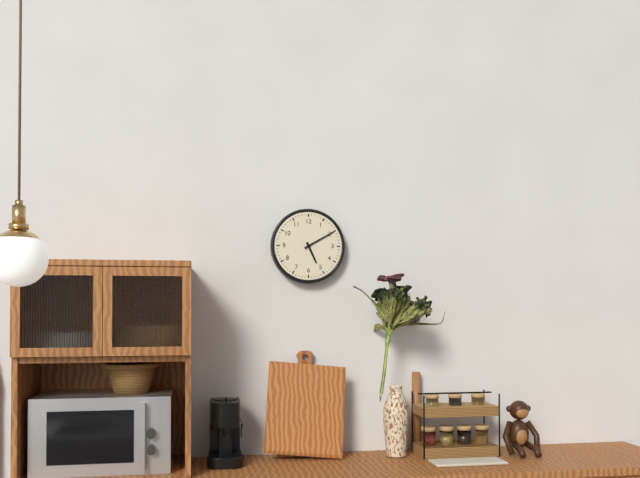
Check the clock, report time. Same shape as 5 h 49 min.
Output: 5 h 10 min
